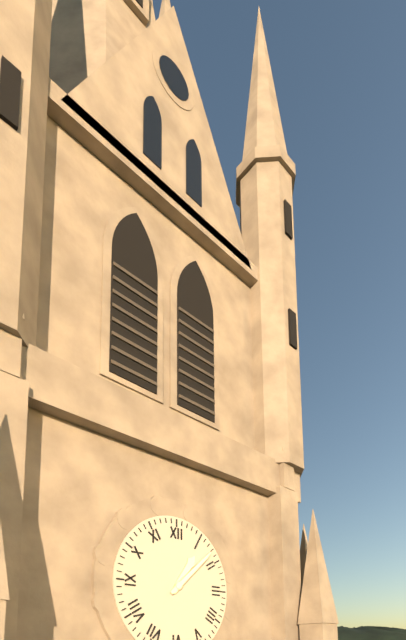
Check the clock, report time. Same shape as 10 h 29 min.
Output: 1 h 08 min
